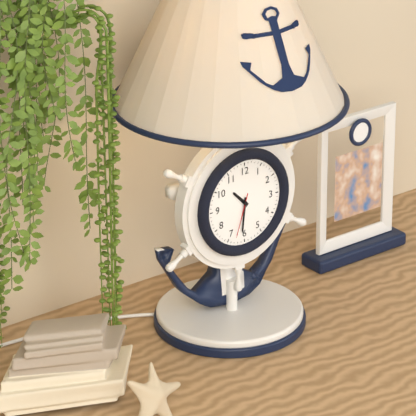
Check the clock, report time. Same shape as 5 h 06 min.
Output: 10 h 31 min
